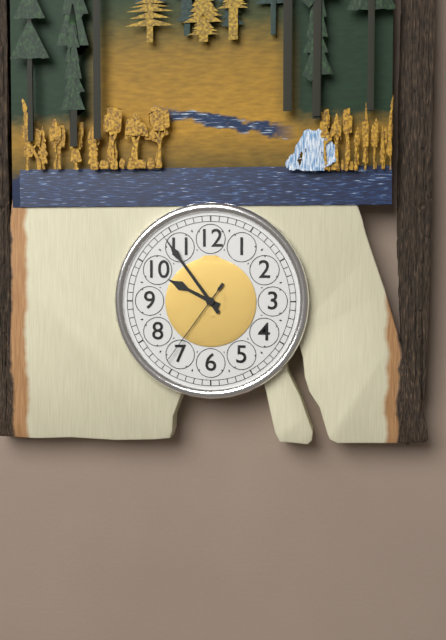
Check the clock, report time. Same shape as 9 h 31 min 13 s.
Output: 9 h 54 min 36 s
